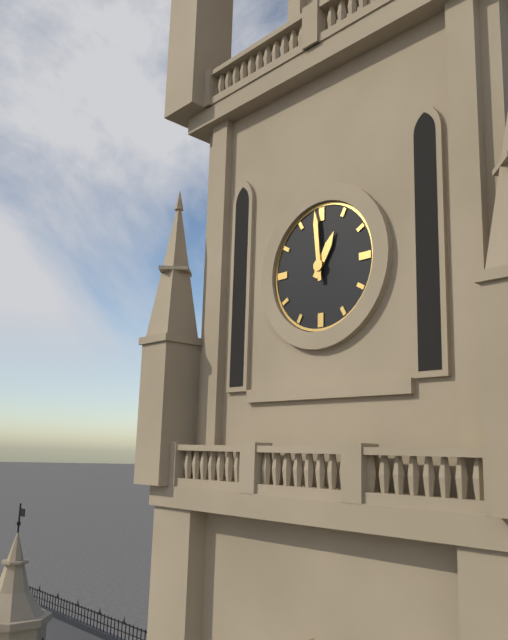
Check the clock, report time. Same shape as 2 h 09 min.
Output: 12 h 59 min
